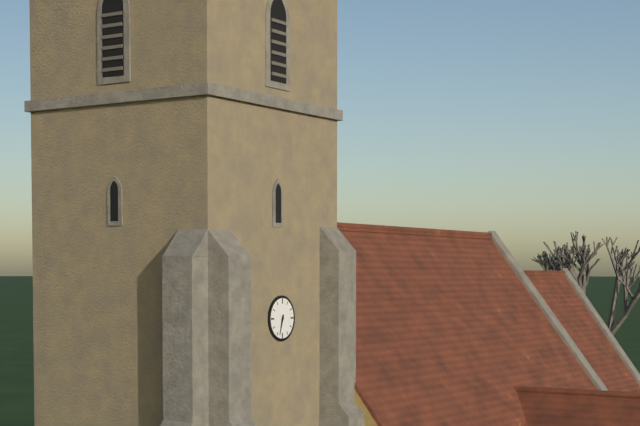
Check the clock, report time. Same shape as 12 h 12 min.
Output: 6 h 33 min
